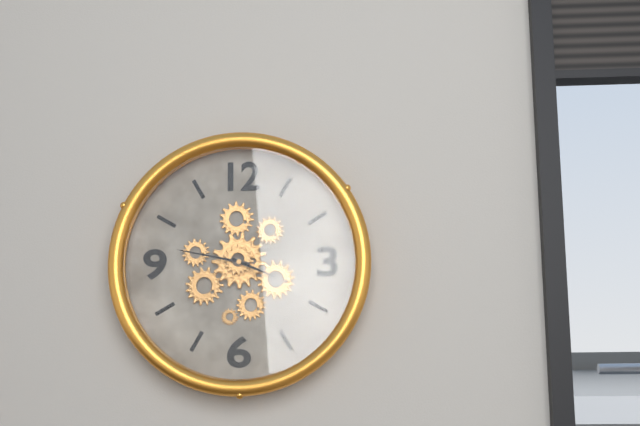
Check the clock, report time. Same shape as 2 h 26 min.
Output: 3 h 47 min
